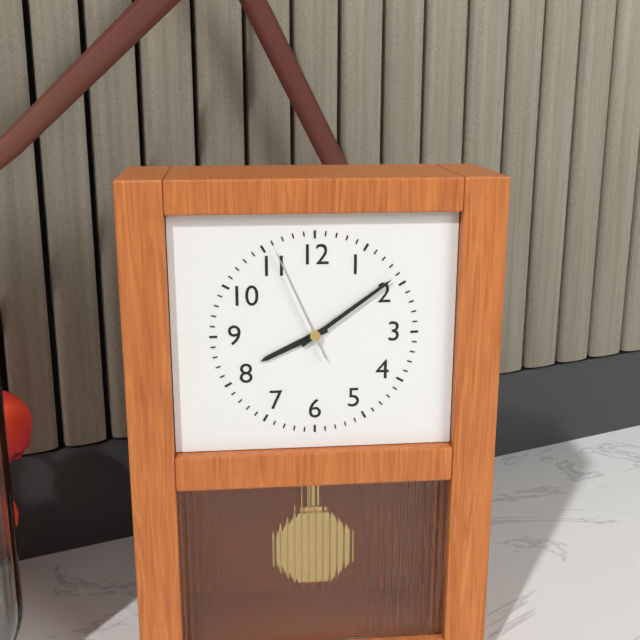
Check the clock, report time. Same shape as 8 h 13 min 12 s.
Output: 8 h 09 min 56 s
